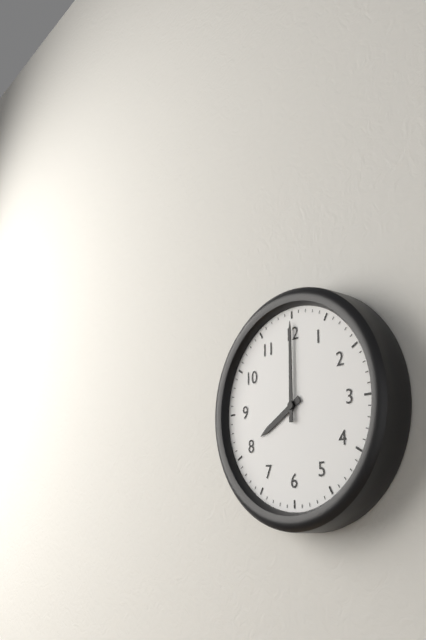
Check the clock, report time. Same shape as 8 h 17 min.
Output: 8 h 00 min
